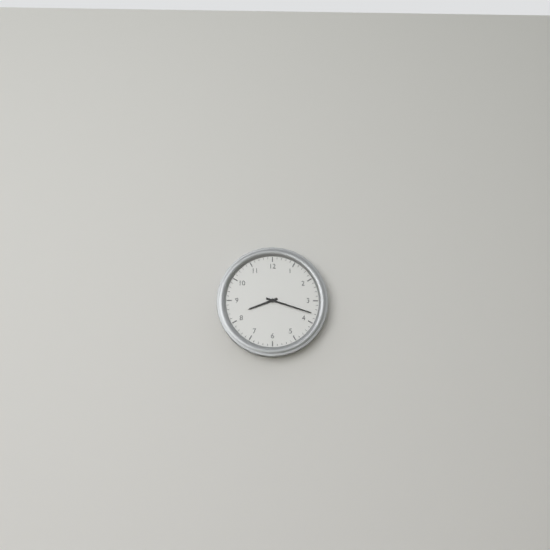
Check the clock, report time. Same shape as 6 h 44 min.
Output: 8 h 18 min
